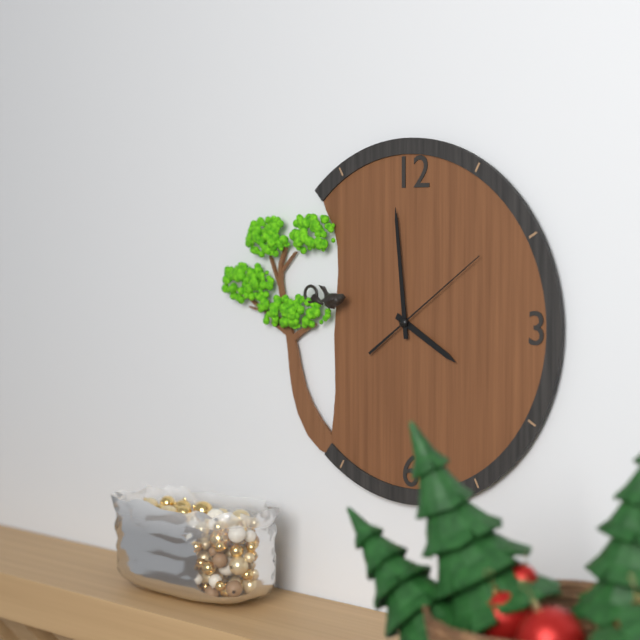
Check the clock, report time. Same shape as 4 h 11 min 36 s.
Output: 3 h 59 min 09 s
